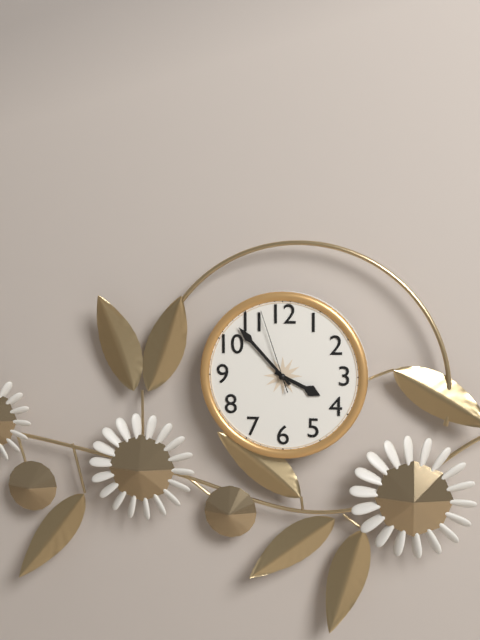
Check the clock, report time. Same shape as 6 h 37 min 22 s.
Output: 3 h 53 min 57 s
